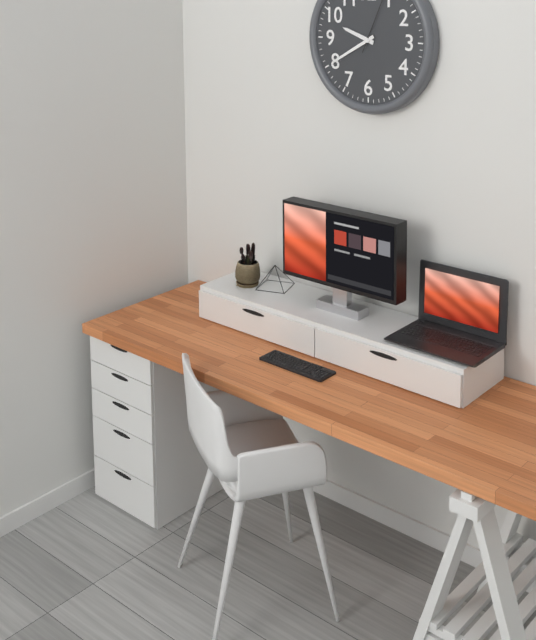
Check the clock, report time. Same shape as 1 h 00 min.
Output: 9 h 40 min
